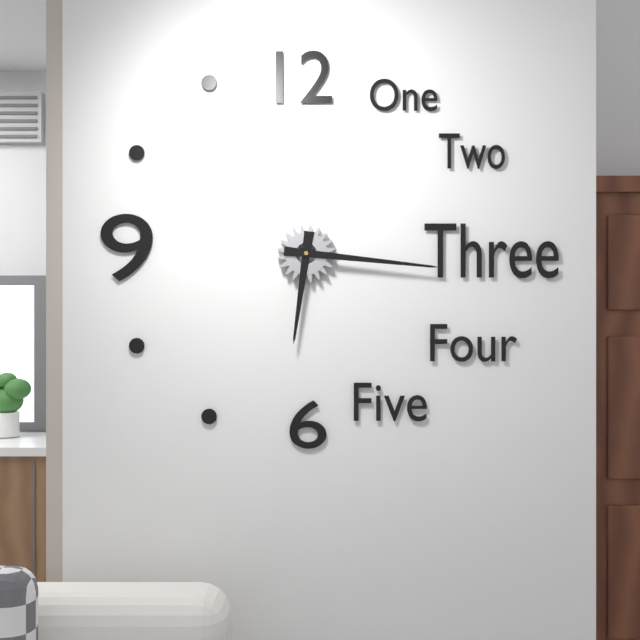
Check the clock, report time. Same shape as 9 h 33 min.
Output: 6 h 16 min
